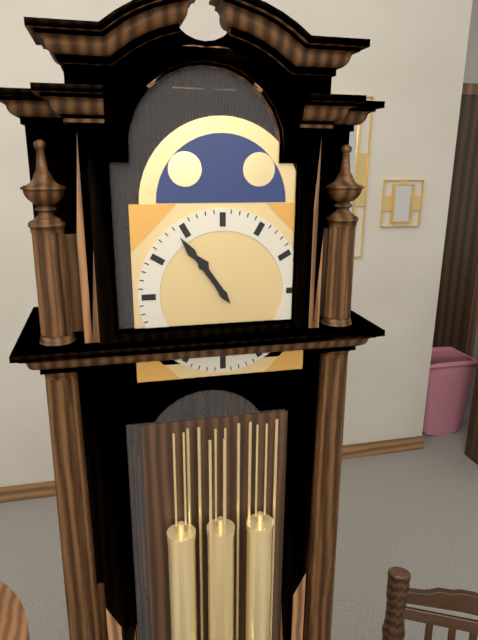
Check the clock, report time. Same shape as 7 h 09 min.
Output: 10 h 54 min
